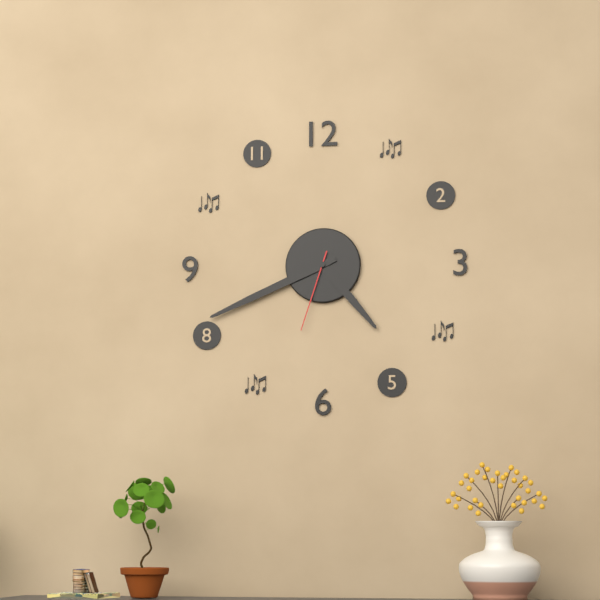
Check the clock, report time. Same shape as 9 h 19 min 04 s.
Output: 4 h 41 min 33 s
